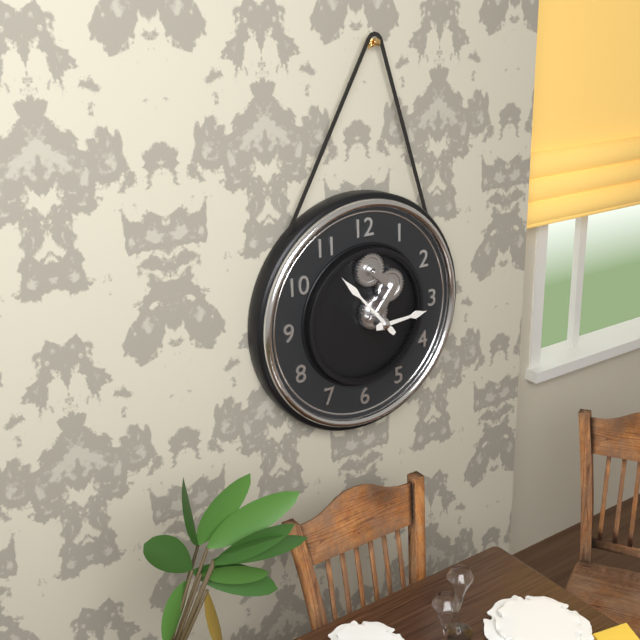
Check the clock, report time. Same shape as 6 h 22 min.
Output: 2 h 53 min
